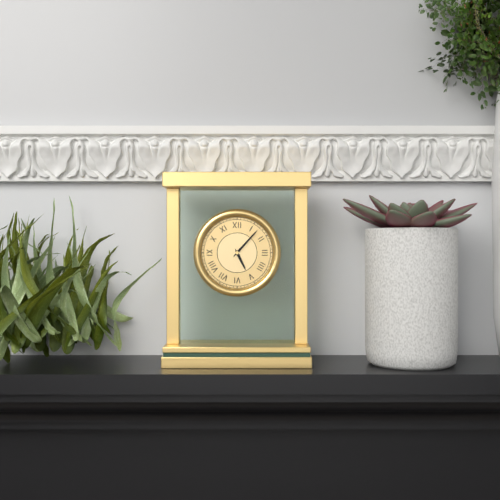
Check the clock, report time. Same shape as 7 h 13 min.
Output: 5 h 07 min
